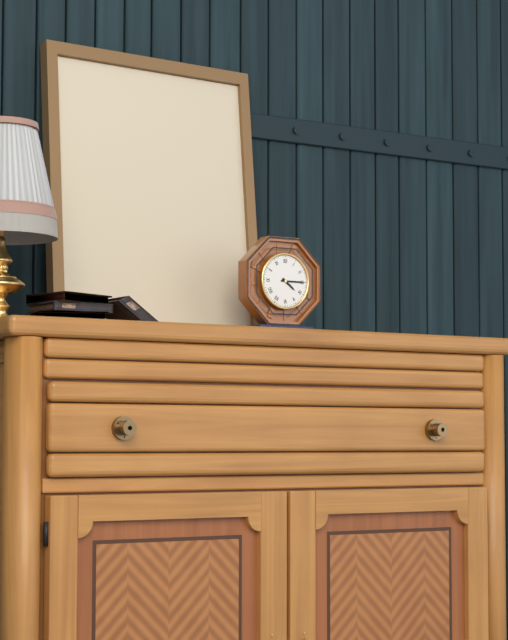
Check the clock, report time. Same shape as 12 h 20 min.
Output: 4 h 15 min
